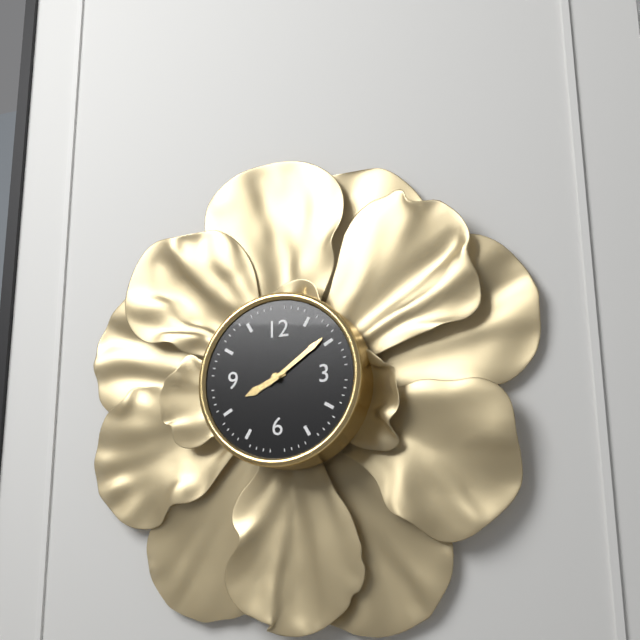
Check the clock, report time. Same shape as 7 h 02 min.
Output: 8 h 09 min
